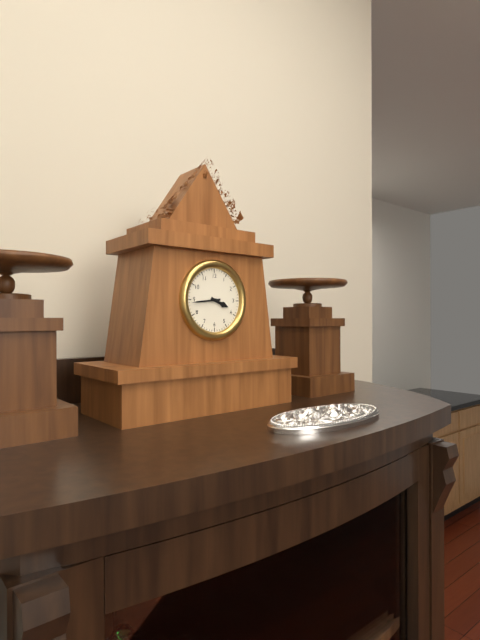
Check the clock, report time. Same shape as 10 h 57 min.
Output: 3 h 44 min
